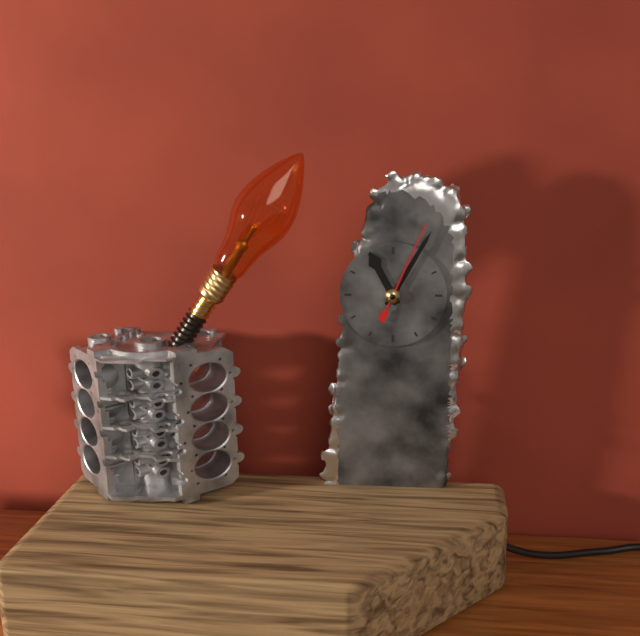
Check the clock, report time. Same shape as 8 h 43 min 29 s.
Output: 11 h 05 min 04 s
